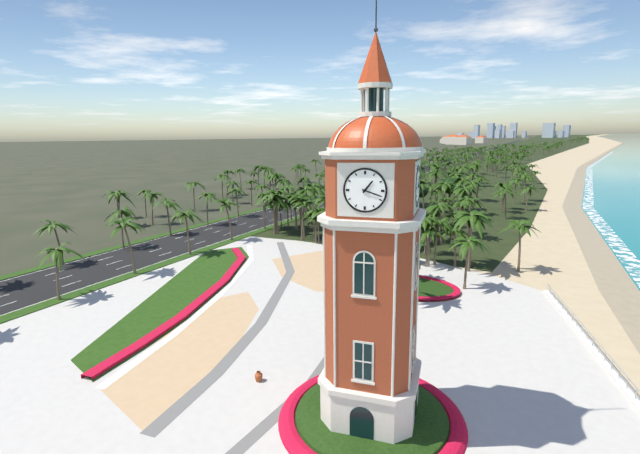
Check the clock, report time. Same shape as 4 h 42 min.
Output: 1 h 18 min
